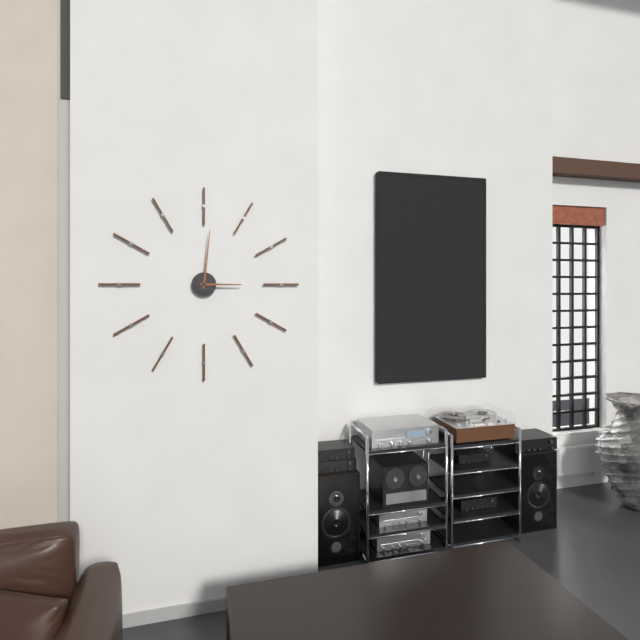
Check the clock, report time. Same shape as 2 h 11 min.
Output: 3 h 01 min
